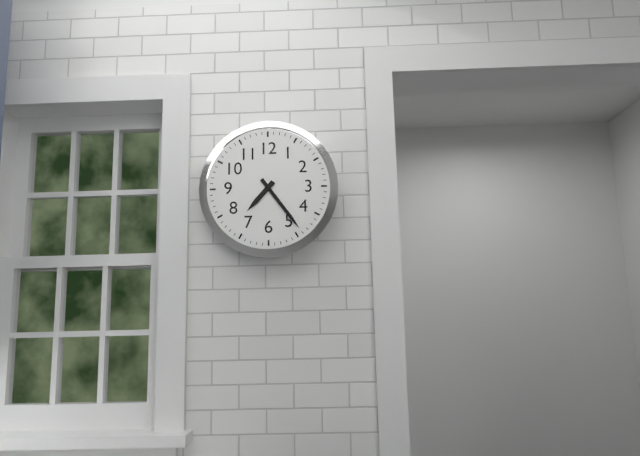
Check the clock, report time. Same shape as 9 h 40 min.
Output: 7 h 24 min
